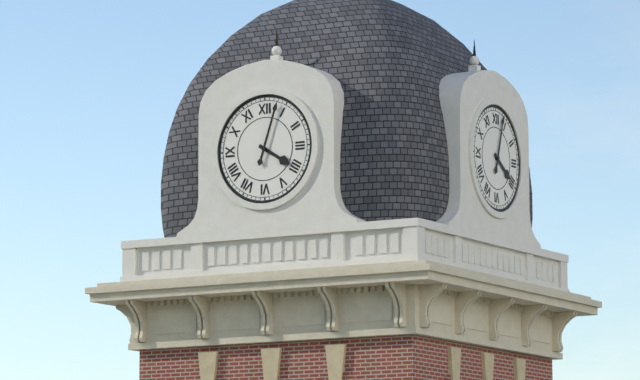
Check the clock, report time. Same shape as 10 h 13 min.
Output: 4 h 03 min
